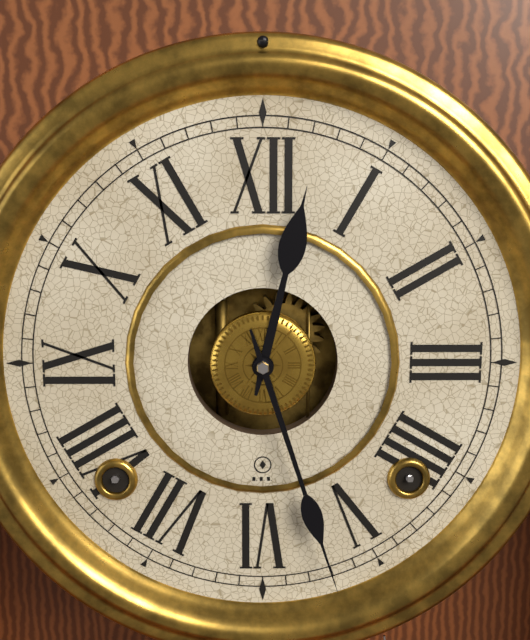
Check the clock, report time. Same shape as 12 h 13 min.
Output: 12 h 27 min
